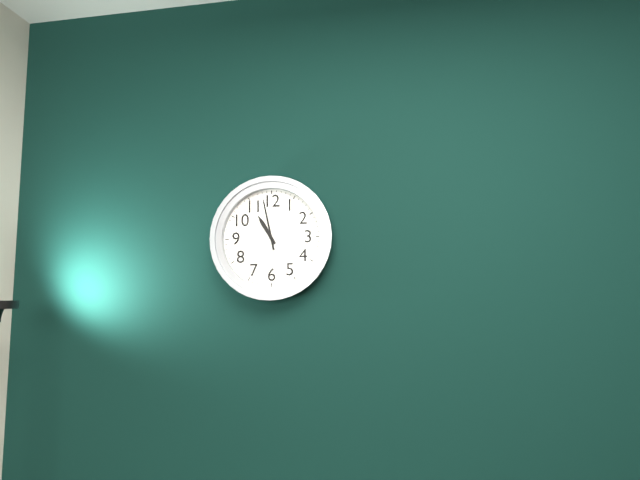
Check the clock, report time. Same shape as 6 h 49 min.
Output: 10 h 58 min
